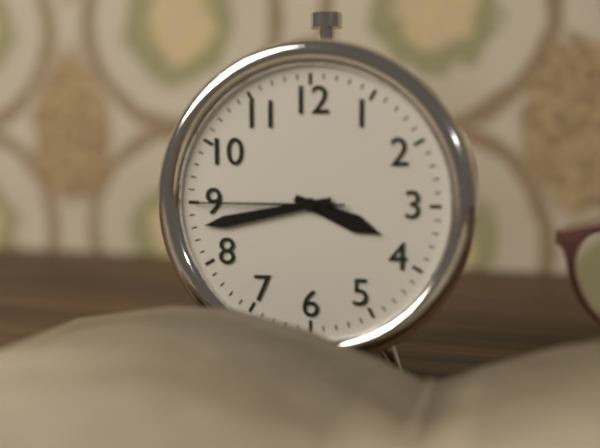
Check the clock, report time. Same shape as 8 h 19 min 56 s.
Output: 3 h 43 min 45 s
